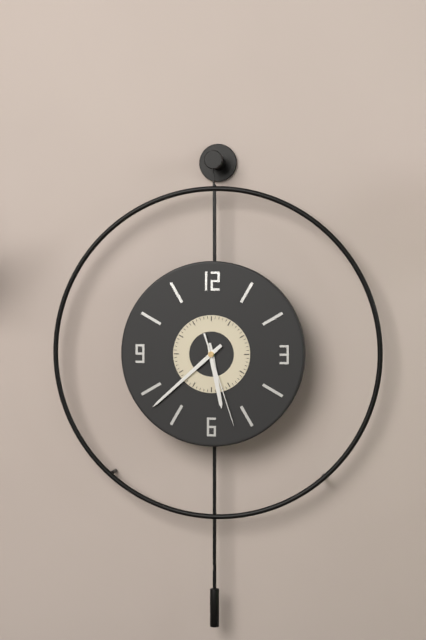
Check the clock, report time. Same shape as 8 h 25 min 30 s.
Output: 5 h 38 min 27 s
